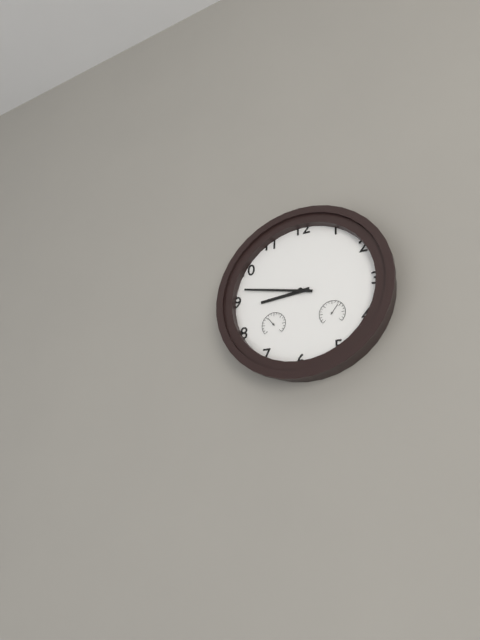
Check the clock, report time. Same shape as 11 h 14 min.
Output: 8 h 47 min
